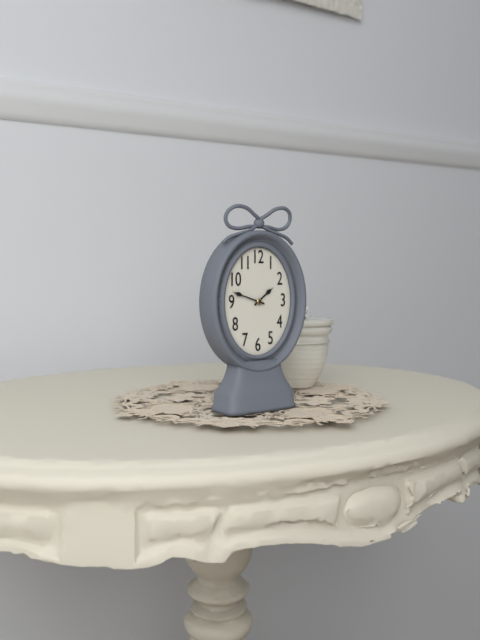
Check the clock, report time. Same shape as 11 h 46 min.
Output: 1 h 48 min
